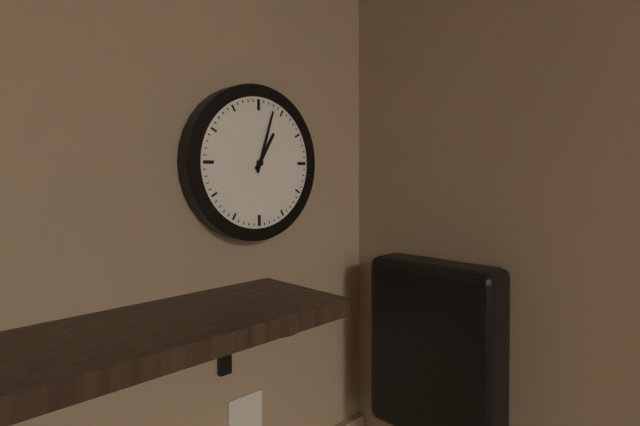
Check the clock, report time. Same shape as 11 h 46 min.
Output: 1 h 03 min
